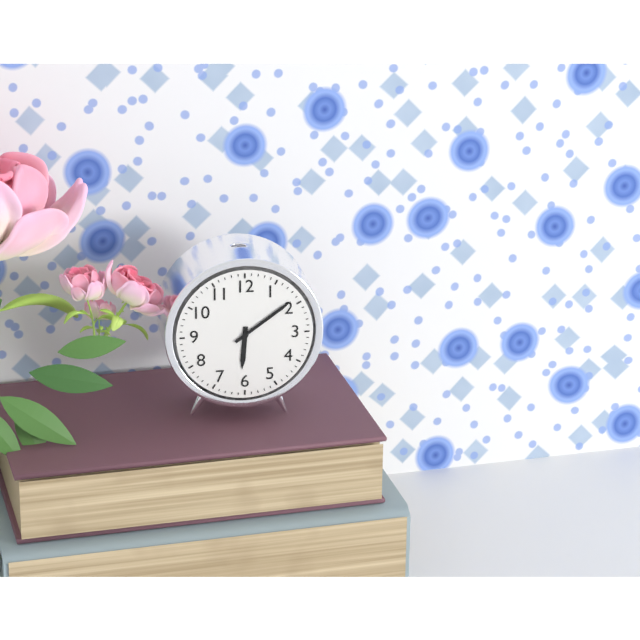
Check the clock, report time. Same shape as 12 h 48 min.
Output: 6 h 09 min
